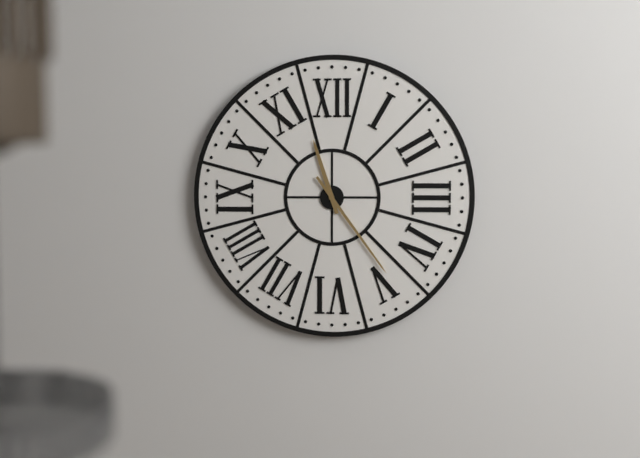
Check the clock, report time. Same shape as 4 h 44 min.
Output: 11 h 24 min
